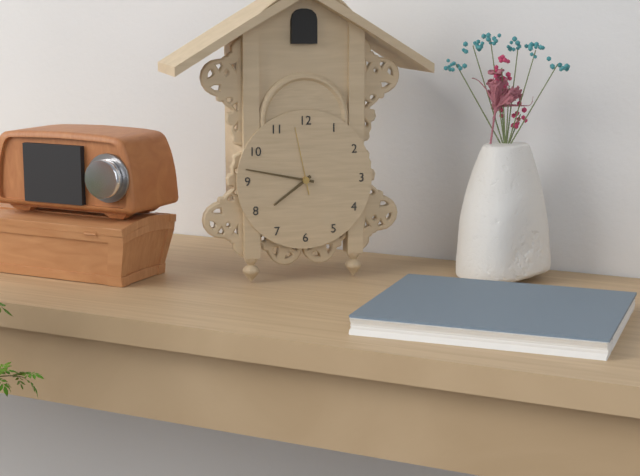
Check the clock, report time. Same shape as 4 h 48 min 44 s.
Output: 7 h 47 min 58 s
